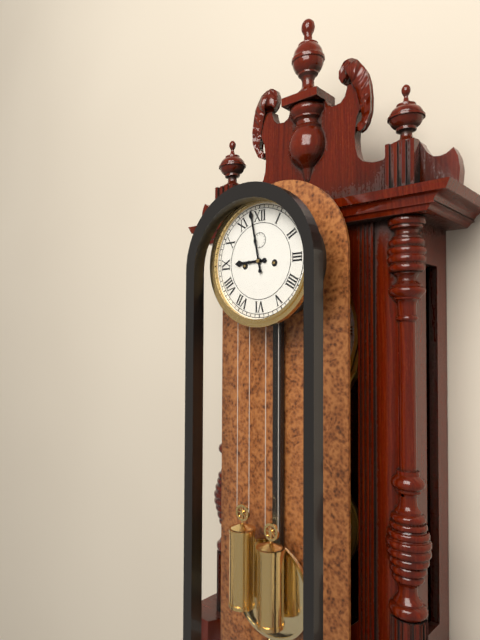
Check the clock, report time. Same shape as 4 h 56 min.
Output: 8 h 58 min
